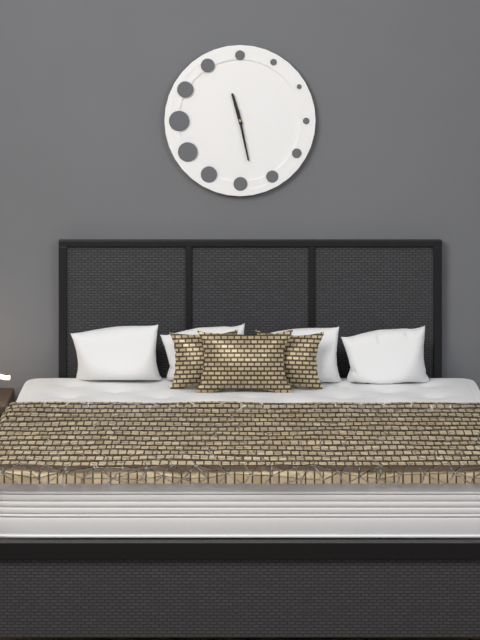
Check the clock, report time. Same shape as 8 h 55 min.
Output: 11 h 28 min
